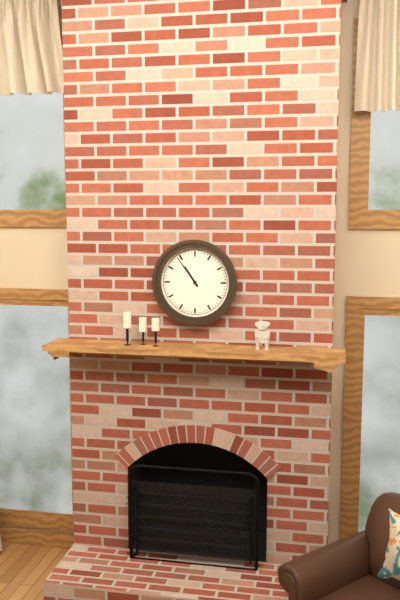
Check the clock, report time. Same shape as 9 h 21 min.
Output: 10 h 54 min
